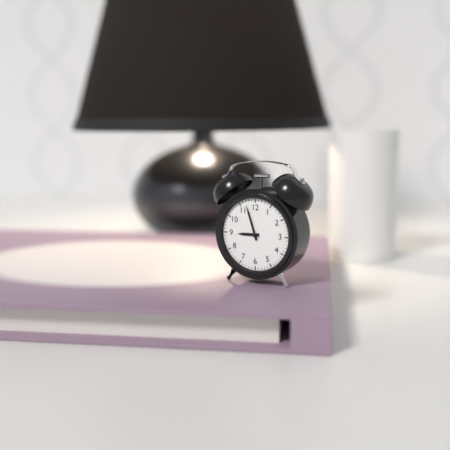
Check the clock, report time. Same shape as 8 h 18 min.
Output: 8 h 57 min
